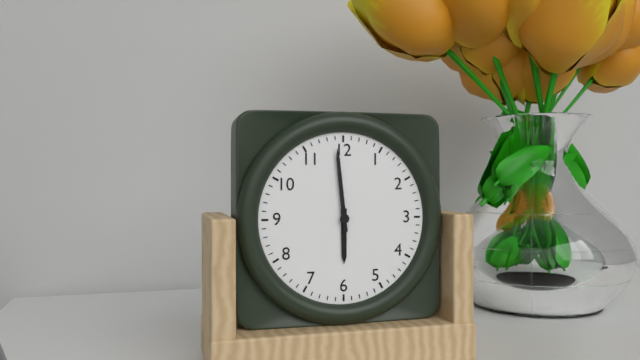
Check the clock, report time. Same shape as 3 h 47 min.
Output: 5 h 59 min
